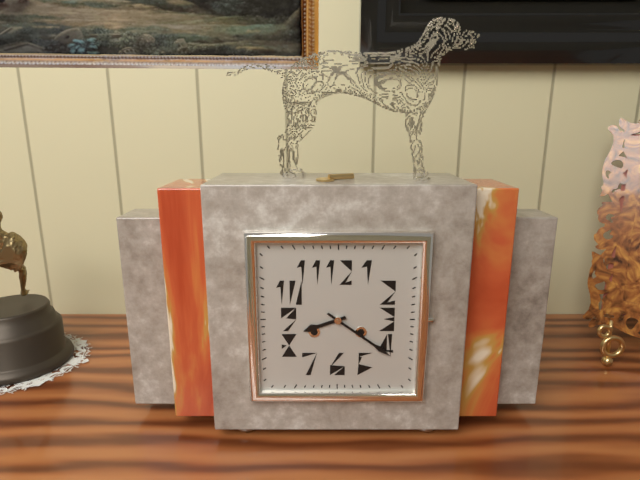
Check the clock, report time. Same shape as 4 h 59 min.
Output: 8 h 21 min
